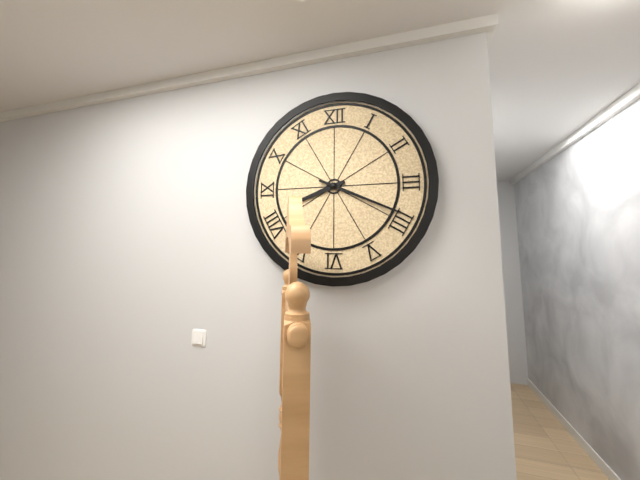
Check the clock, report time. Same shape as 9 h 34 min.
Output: 8 h 19 min
